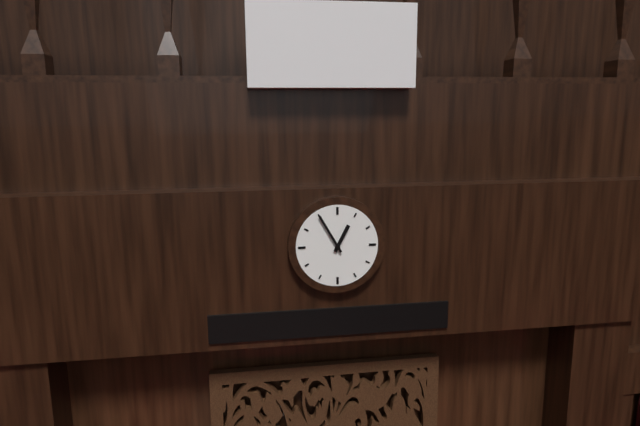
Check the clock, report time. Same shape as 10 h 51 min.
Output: 12 h 55 min
